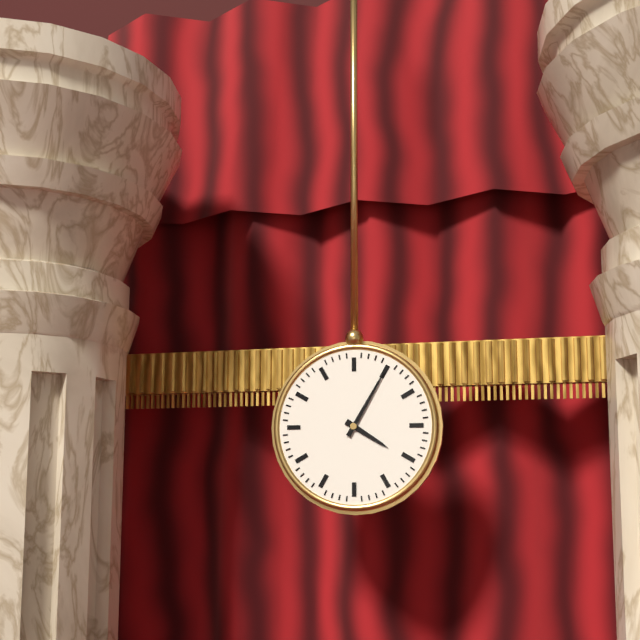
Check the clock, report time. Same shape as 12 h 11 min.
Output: 4 h 05 min
